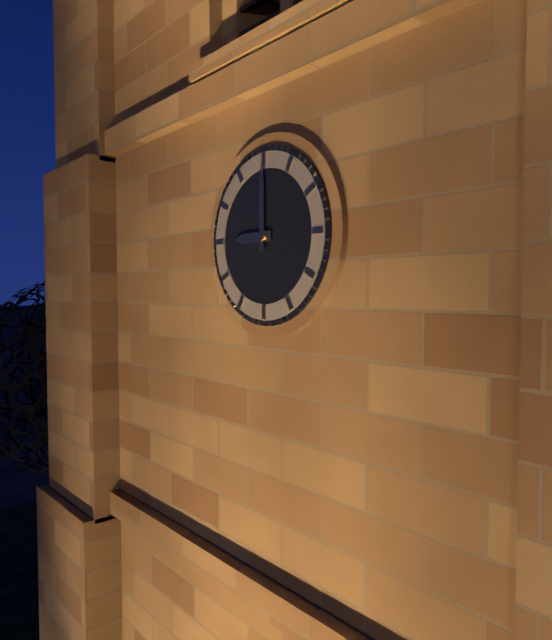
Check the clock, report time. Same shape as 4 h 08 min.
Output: 9 h 00 min
